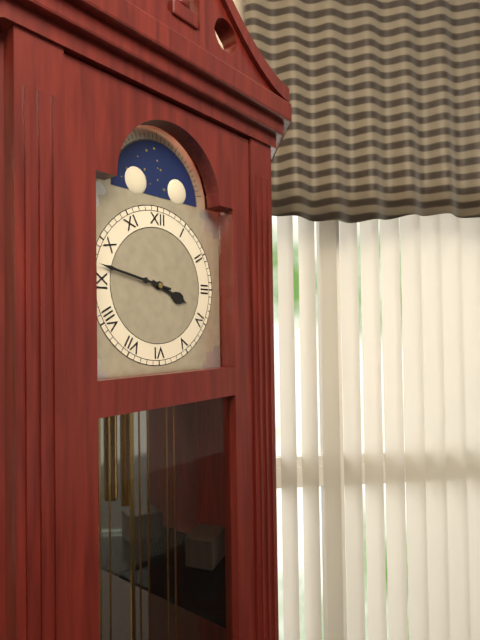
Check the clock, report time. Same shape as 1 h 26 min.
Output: 3 h 47 min
